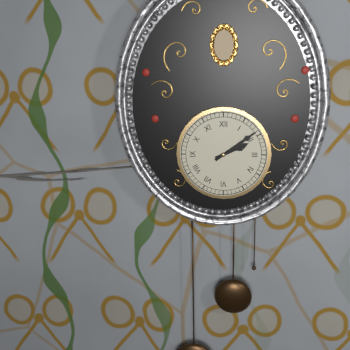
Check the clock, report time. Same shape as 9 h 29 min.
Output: 2 h 09 min
